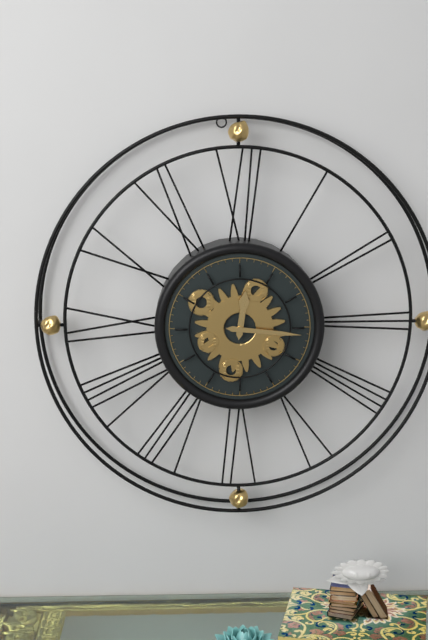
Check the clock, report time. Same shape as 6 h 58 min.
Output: 12 h 16 min
